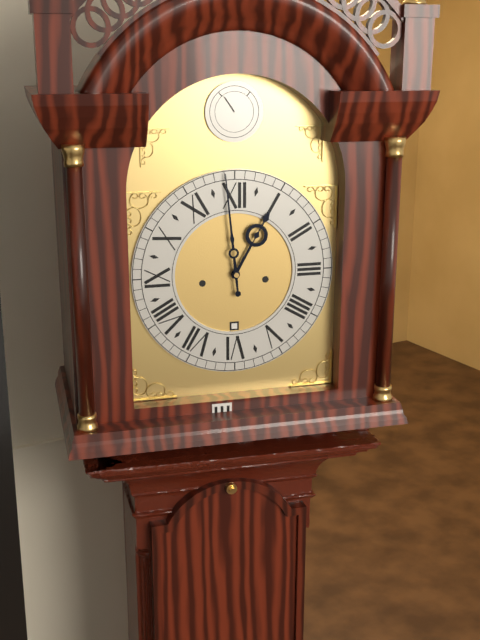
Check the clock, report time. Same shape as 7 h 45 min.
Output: 12 h 59 min
